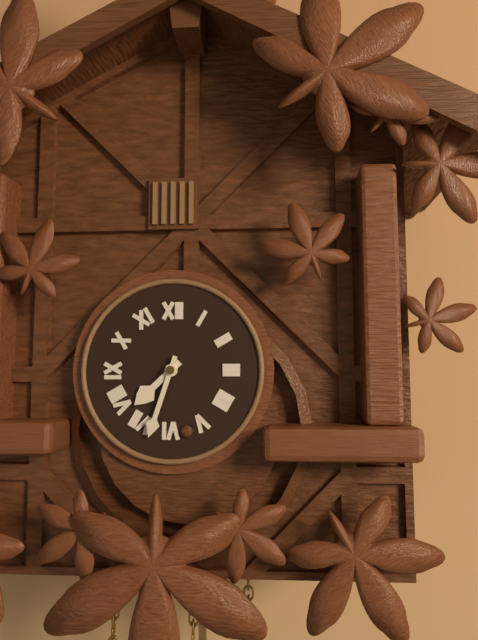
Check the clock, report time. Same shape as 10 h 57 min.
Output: 7 h 33 min
